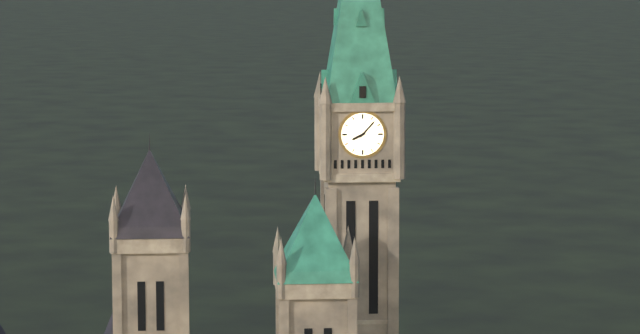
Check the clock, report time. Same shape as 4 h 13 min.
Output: 8 h 07 min
